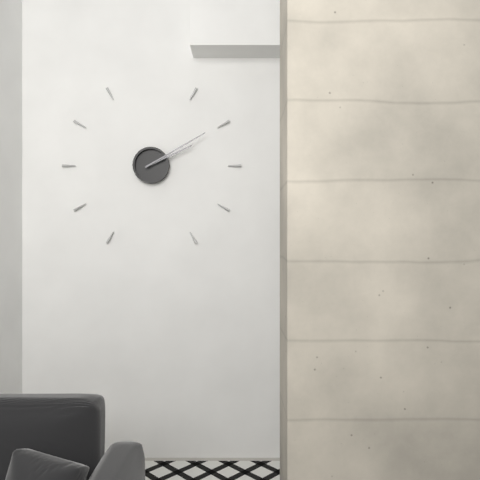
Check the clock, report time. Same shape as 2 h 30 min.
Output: 2 h 10 min
